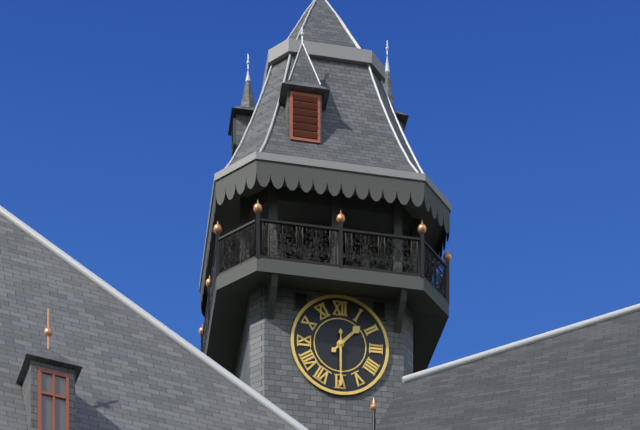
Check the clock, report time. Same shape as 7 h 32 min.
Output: 1 h 30 min
